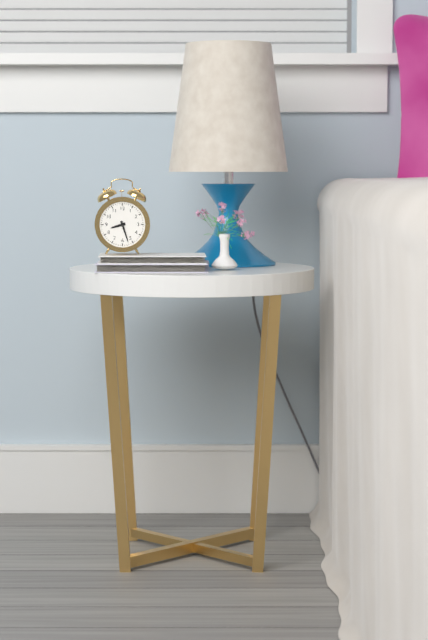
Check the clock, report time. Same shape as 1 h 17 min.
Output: 8 h 27 min
